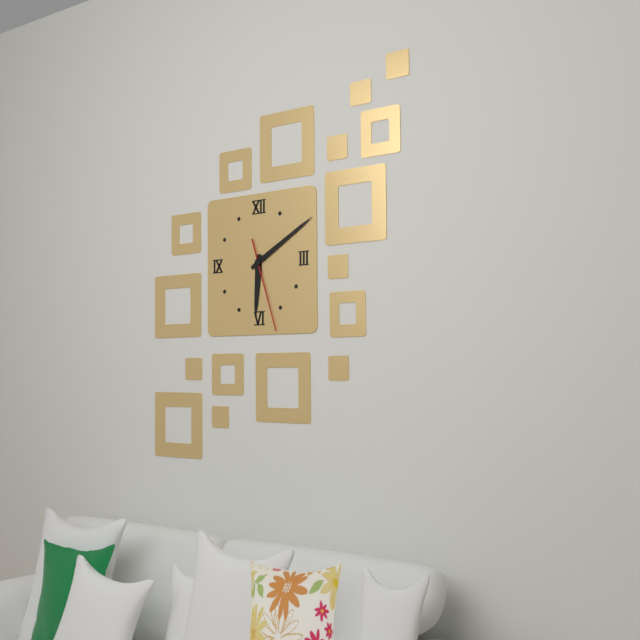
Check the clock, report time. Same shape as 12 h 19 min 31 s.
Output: 6 h 10 min 27 s
